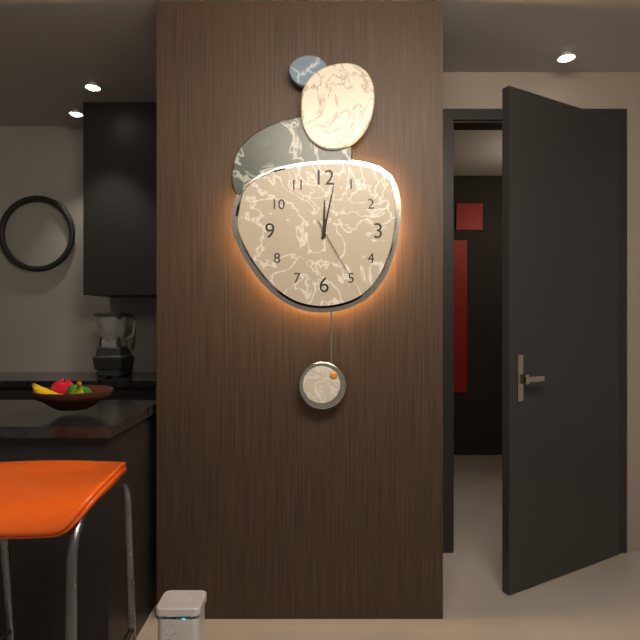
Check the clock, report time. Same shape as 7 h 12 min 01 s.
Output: 12 h 02 min 25 s
